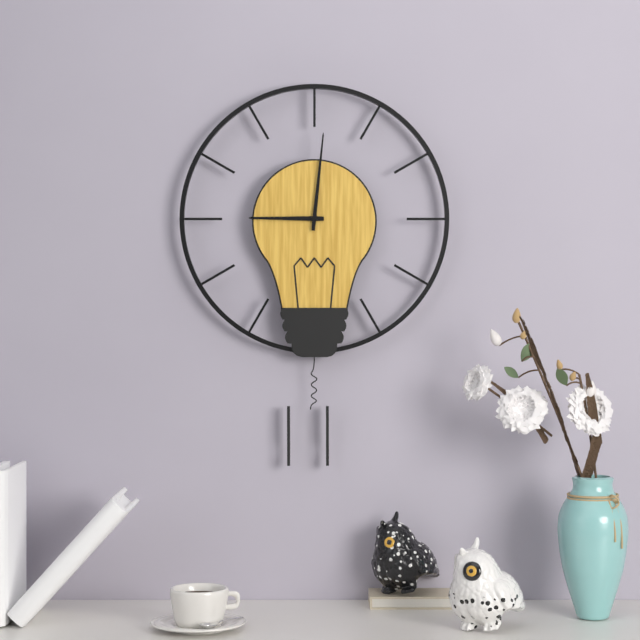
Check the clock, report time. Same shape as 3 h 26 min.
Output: 9 h 01 min
